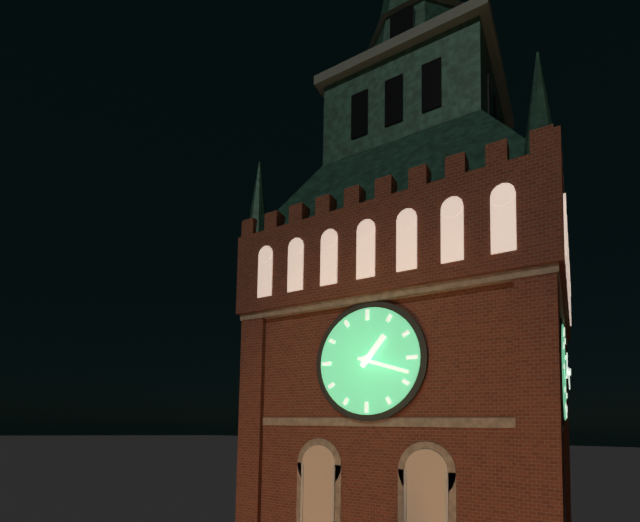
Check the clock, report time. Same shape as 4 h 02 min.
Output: 1 h 18 min
